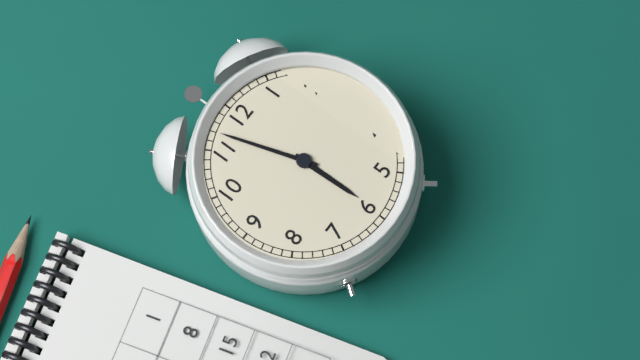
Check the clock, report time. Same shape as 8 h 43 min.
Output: 5 h 57 min
